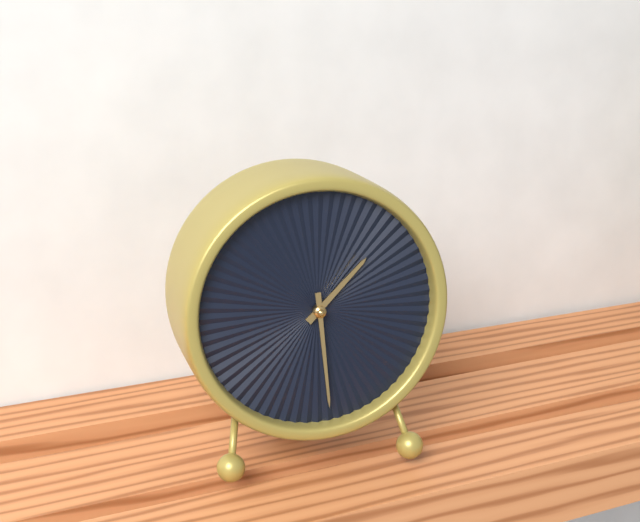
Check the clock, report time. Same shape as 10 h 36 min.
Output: 1 h 29 min
